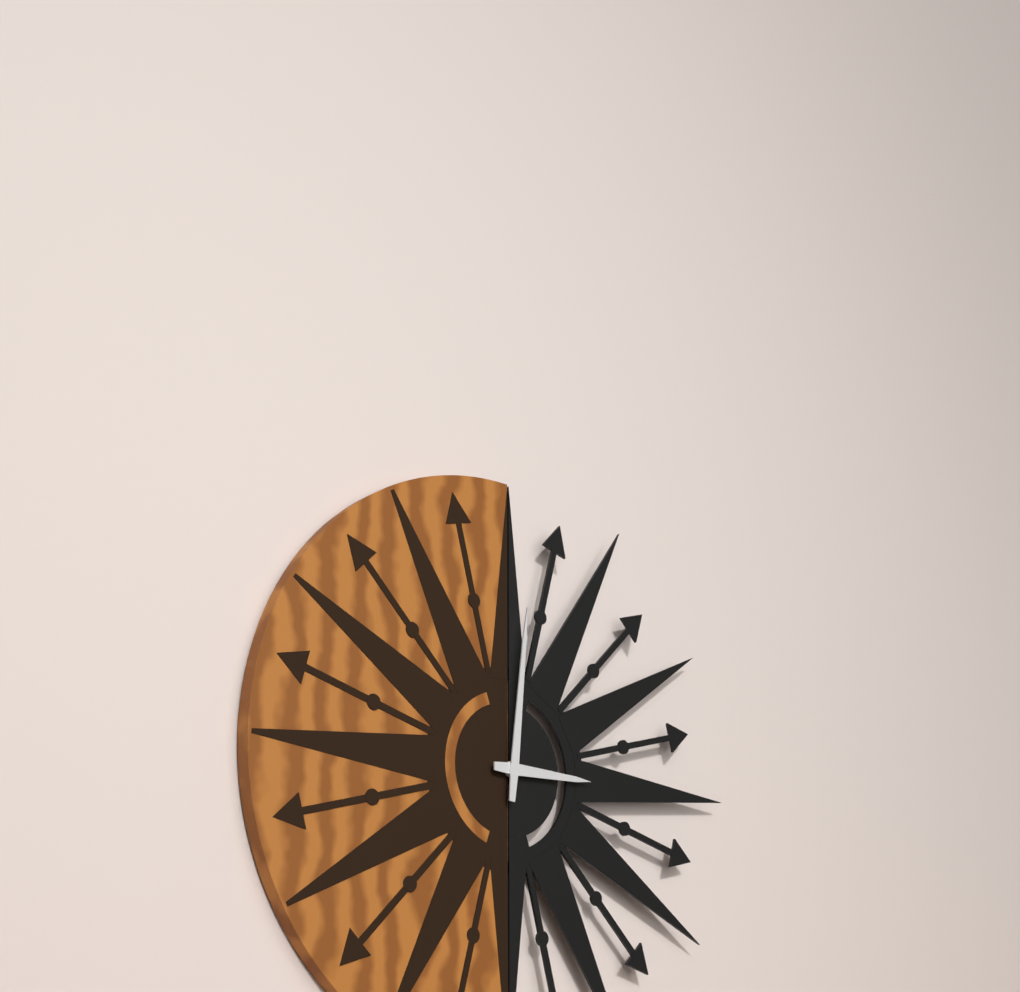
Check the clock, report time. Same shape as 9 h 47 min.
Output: 3 h 01 min
